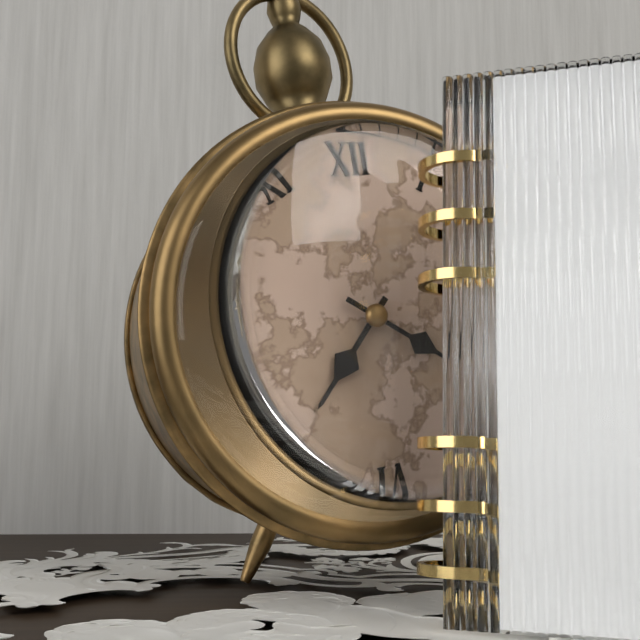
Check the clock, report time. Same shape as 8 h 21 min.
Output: 7 h 21 min
